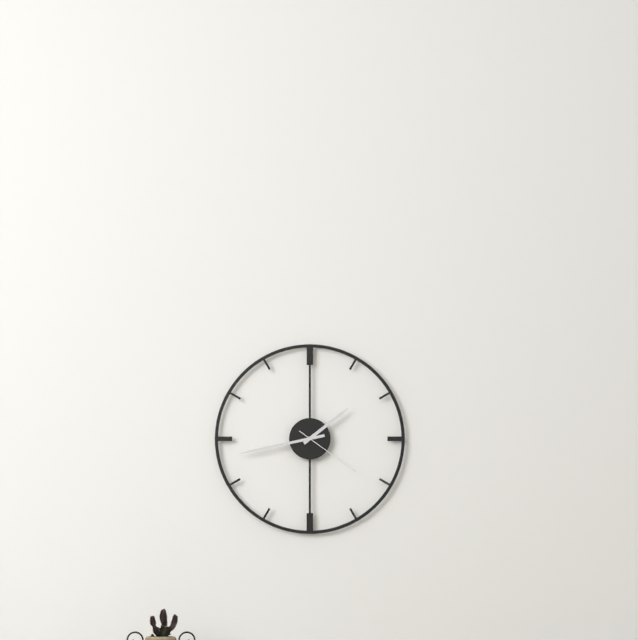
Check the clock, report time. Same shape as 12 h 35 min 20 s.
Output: 1 h 43 min 21 s
